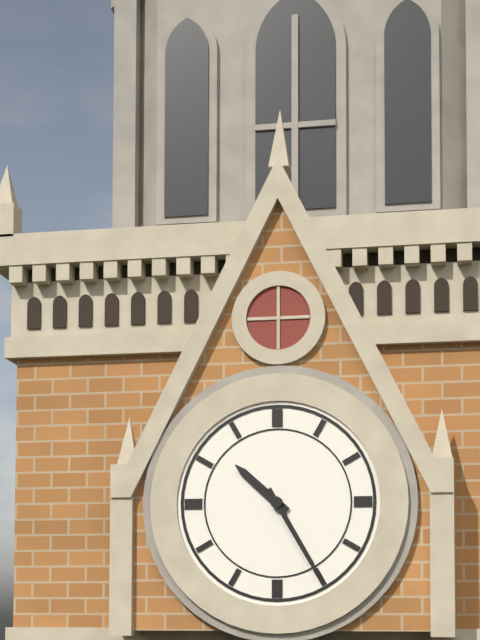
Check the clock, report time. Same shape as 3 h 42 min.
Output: 10 h 25 min
